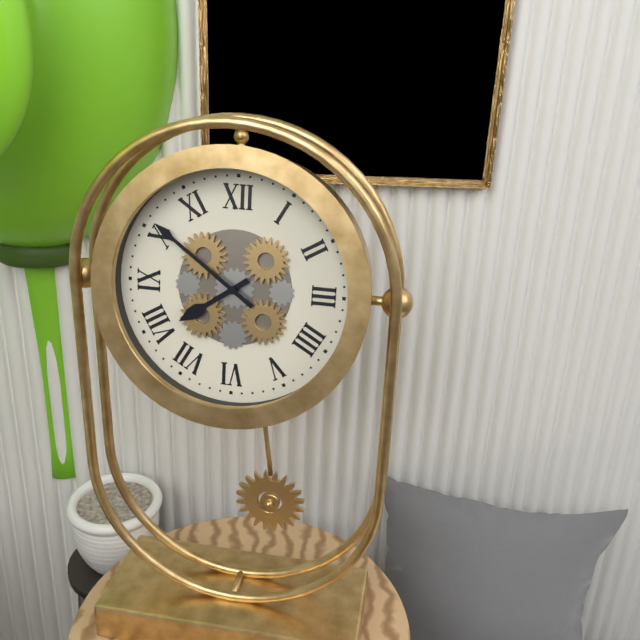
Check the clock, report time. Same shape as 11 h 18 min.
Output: 7 h 51 min
